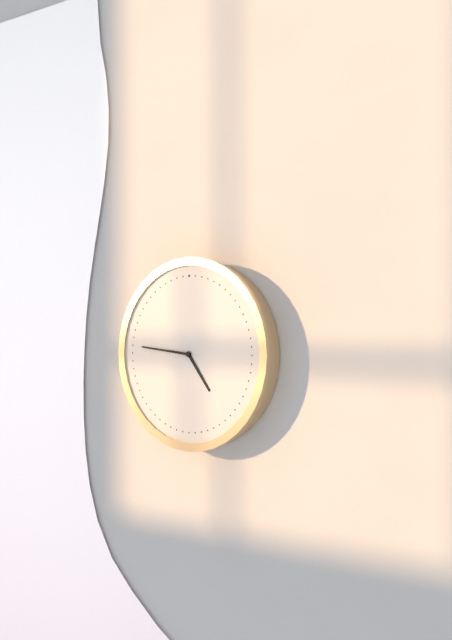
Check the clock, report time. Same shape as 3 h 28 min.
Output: 4 h 46 min
